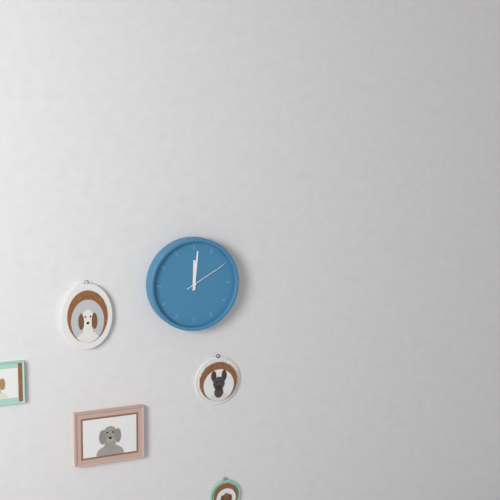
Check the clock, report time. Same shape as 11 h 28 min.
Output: 12 h 01 min
